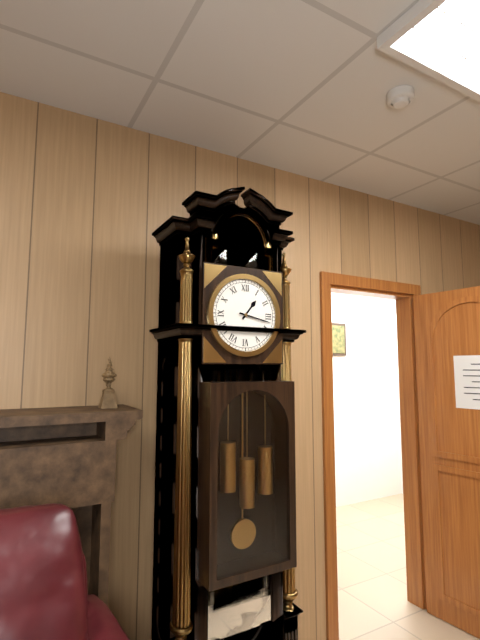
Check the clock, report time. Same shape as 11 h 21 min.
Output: 1 h 17 min
